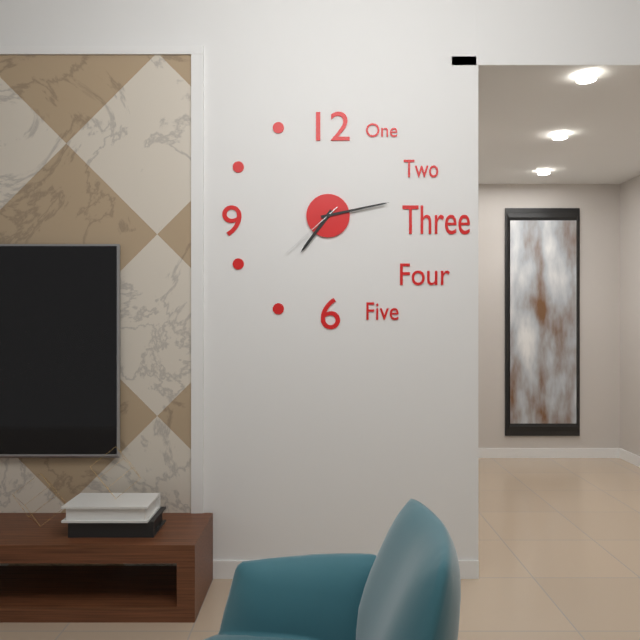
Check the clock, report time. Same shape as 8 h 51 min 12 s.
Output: 7 h 13 min 38 s
